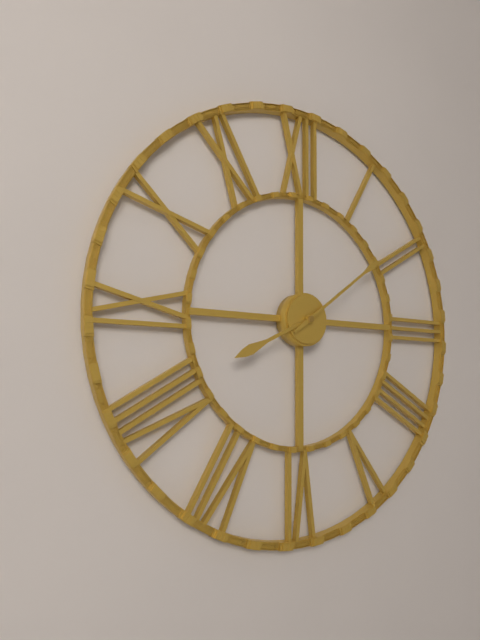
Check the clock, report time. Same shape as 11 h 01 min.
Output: 8 h 09 min
